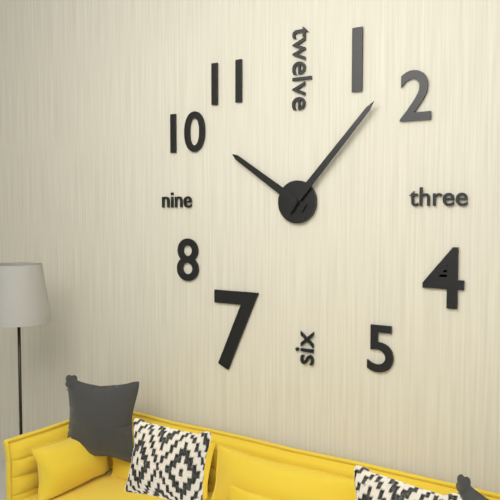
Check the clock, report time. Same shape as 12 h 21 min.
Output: 10 h 07 min
